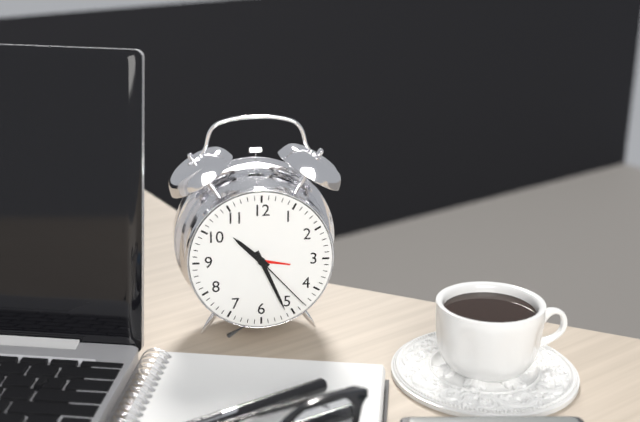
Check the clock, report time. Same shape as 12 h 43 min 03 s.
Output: 10 h 26 min 23 s
